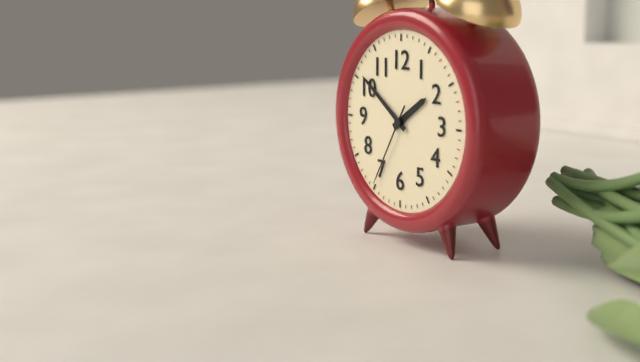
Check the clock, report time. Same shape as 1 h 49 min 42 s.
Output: 1 h 51 min 35 s
